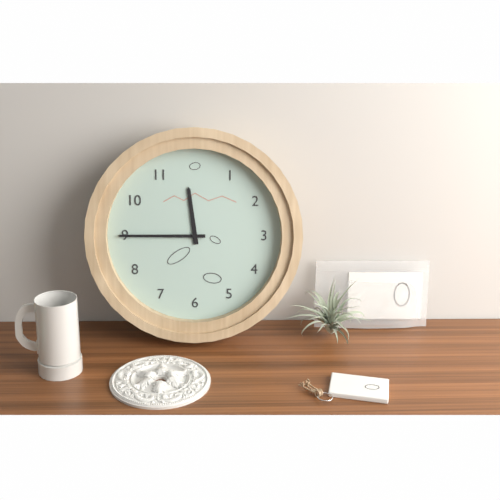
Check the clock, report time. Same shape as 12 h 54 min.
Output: 11 h 45 min
